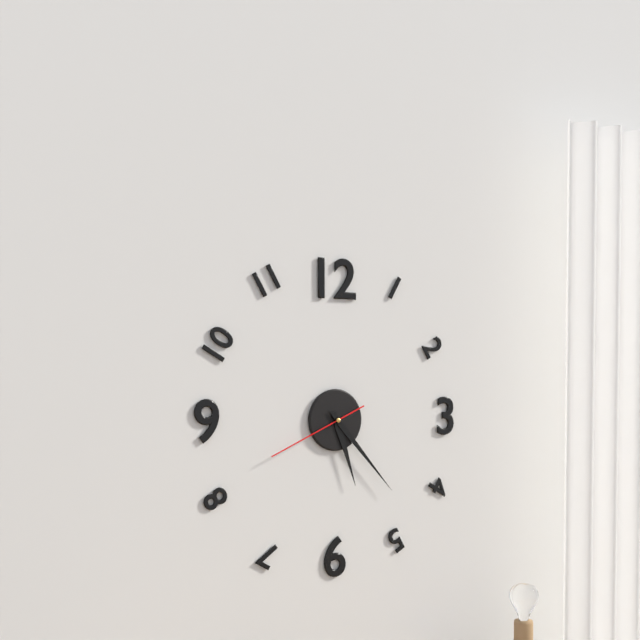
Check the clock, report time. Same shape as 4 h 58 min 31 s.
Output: 5 h 23 min 41 s
